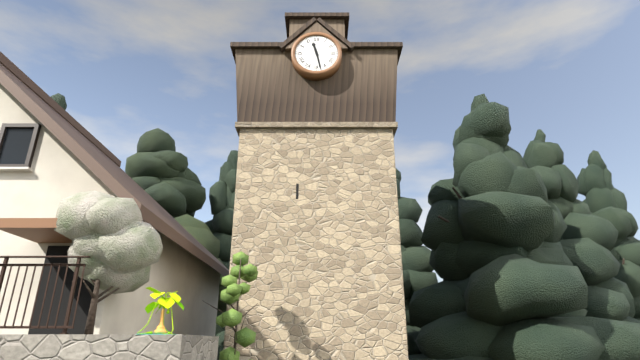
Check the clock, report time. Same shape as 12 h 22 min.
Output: 11 h 28 min
